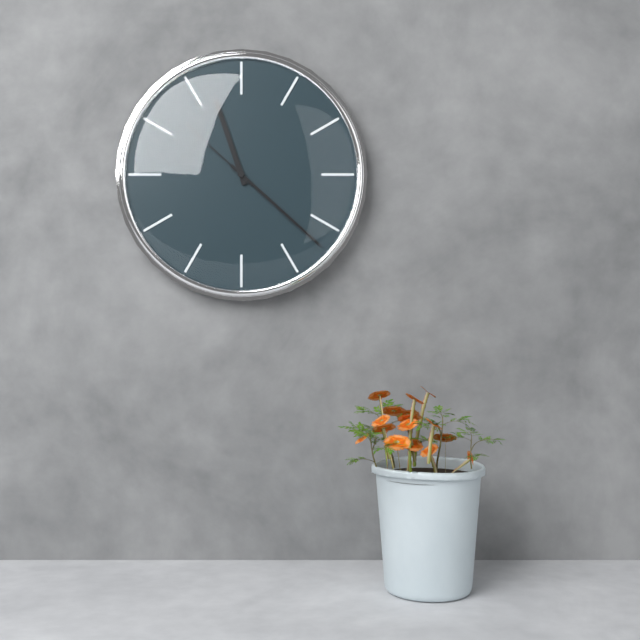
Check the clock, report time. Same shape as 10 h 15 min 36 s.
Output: 11 h 22 min 52 s
